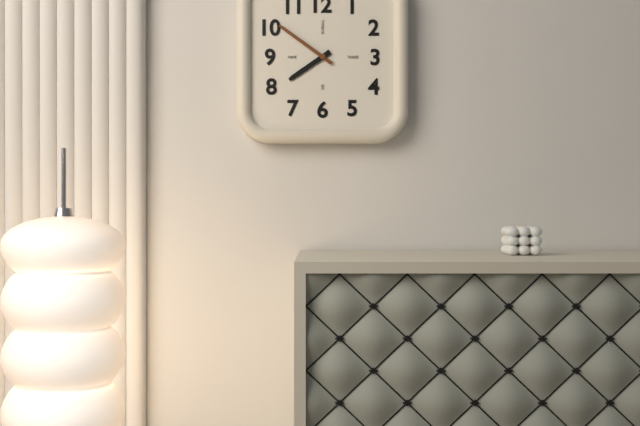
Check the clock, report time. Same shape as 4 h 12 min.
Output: 7 h 51 min
